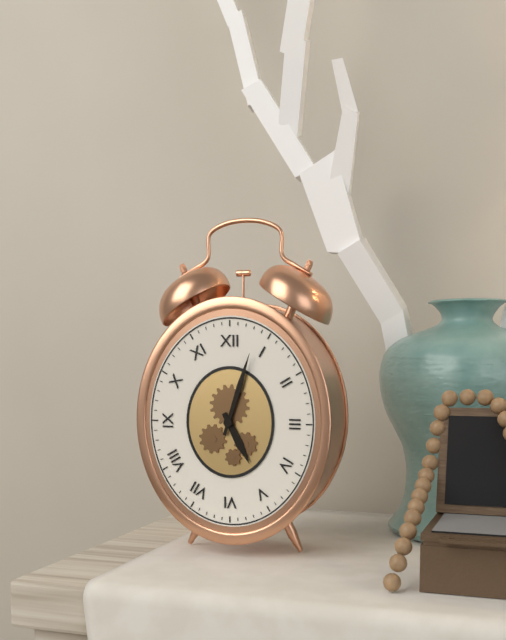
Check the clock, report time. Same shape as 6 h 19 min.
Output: 5 h 03 min
